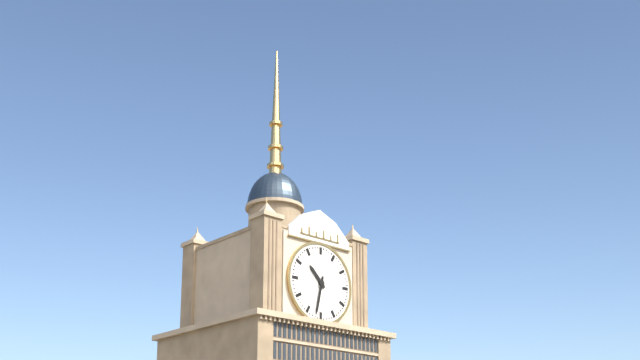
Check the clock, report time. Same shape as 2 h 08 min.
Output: 10 h 32 min
